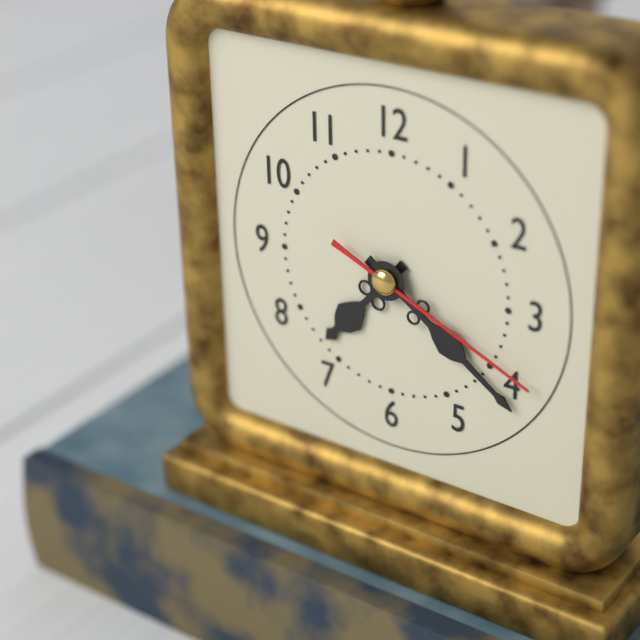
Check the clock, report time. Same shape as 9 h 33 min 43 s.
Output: 7 h 21 min 19 s
